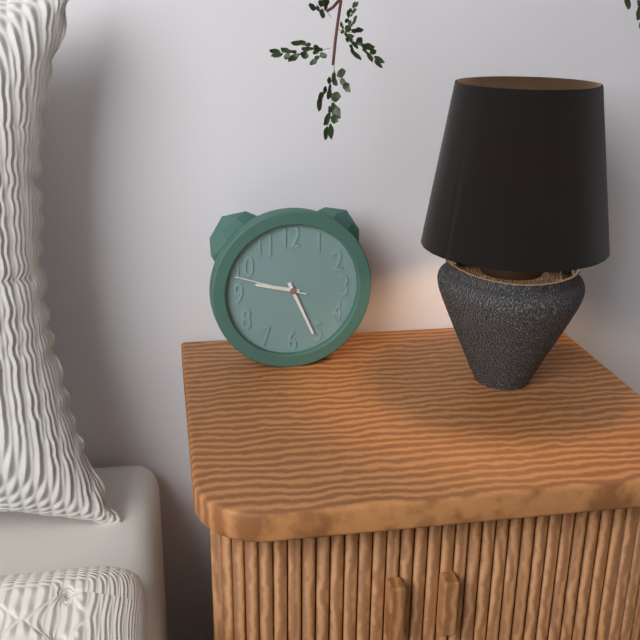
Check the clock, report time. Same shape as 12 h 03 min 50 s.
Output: 9 h 26 min 48 s
